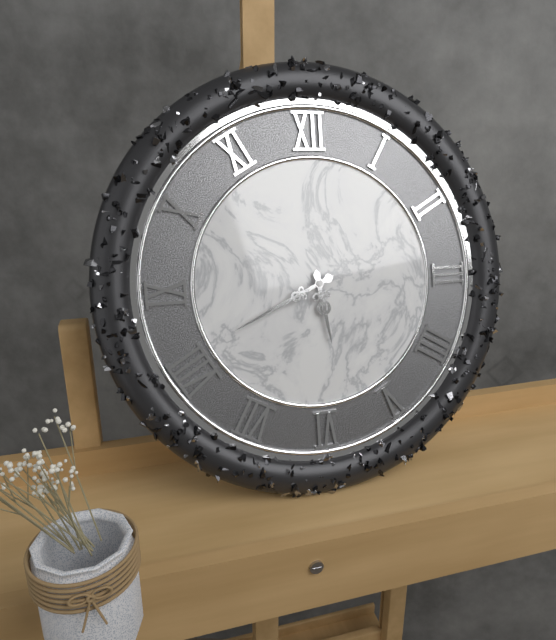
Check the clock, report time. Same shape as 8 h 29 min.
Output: 5 h 41 min
